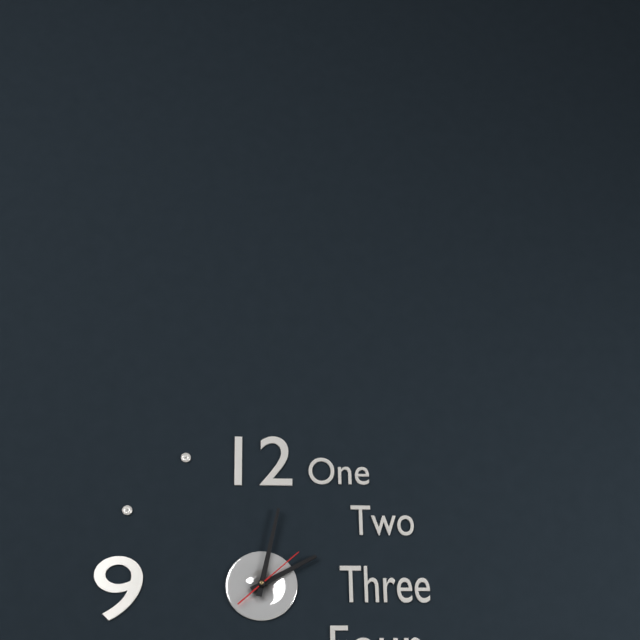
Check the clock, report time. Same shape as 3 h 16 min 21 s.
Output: 2 h 02 min 08 s
